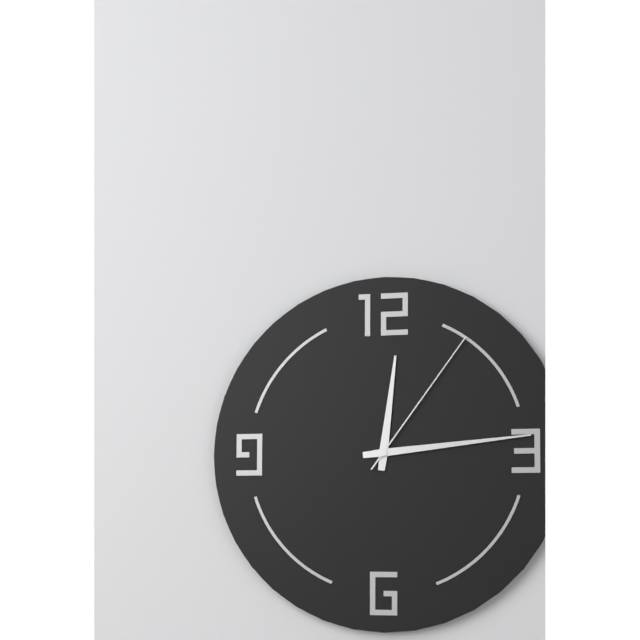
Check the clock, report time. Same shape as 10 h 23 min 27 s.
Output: 12 h 14 min 06 s
